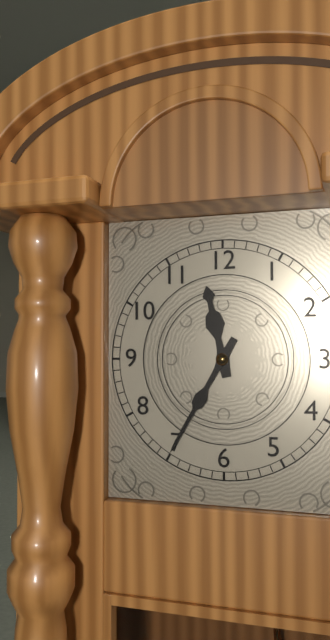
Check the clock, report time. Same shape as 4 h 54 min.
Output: 11 h 35 min
